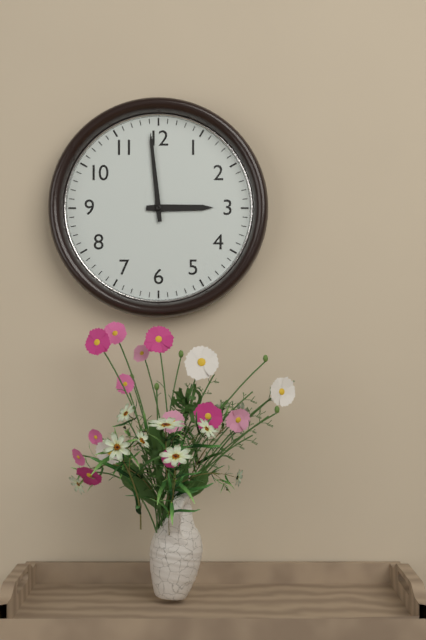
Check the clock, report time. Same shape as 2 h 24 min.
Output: 2 h 59 min
